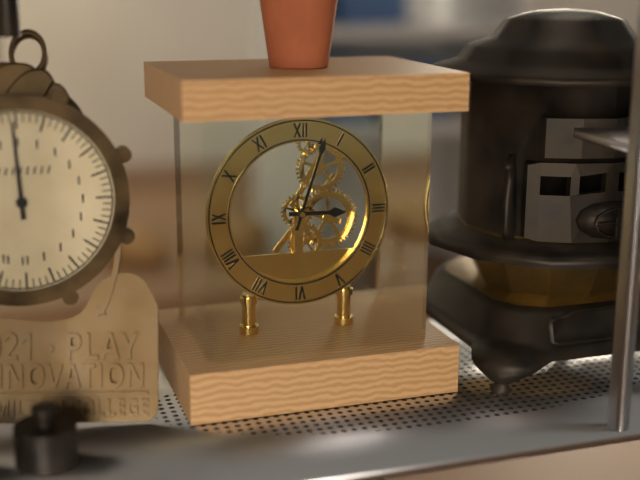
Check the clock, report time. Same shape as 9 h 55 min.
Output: 3 h 03 min
